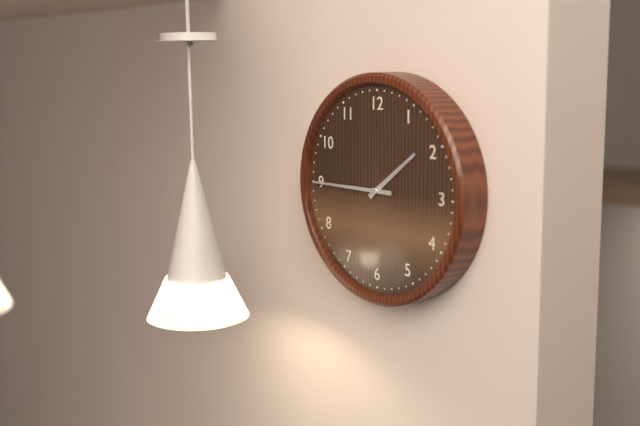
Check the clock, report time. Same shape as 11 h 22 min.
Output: 1 h 45 min
